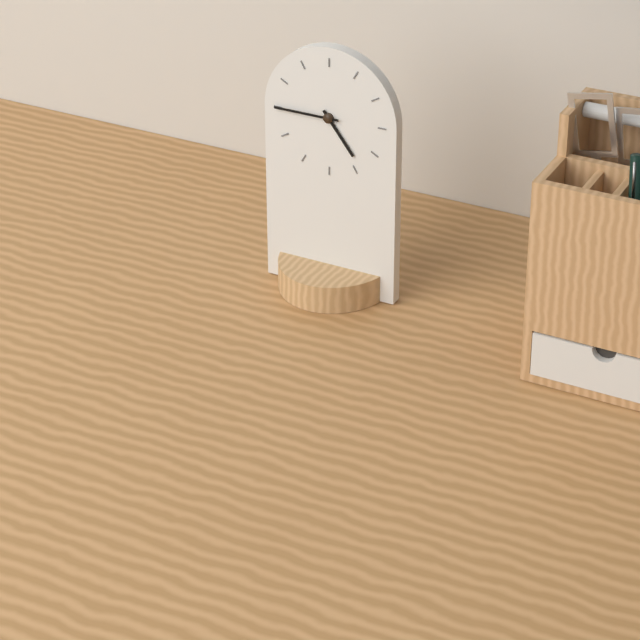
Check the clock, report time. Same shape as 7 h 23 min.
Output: 4 h 45 min
